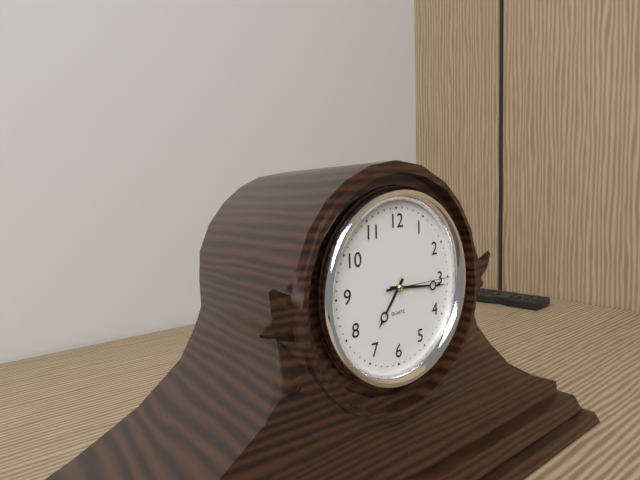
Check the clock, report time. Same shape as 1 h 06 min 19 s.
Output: 7 h 16 min 15 s
